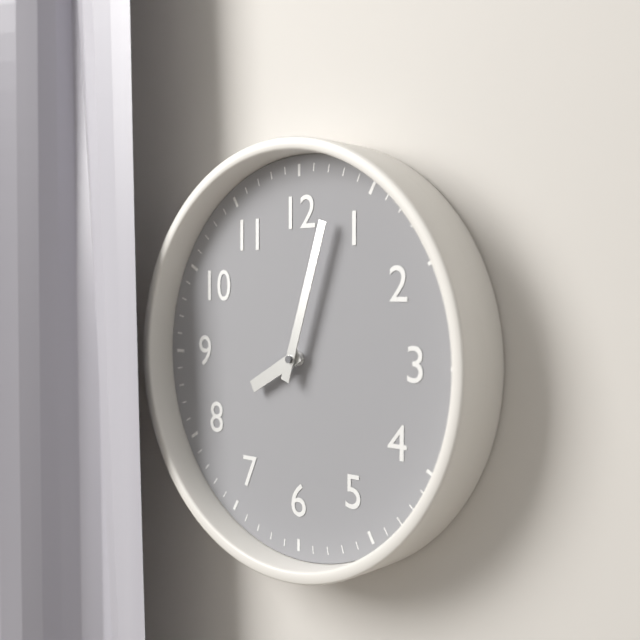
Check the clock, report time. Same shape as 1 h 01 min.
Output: 8 h 03 min
